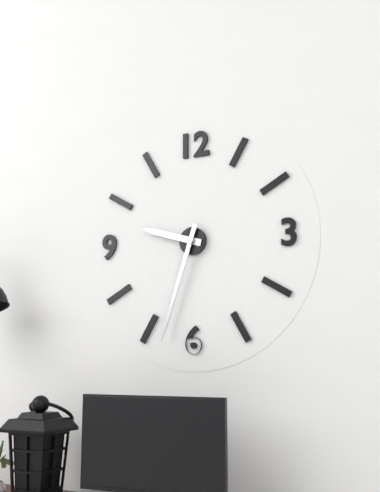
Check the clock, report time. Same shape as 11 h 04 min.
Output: 9 h 33 min
